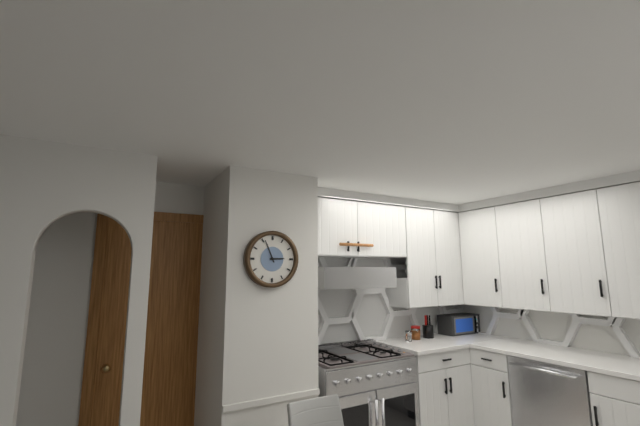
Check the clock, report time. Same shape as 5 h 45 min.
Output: 2 h 56 min
